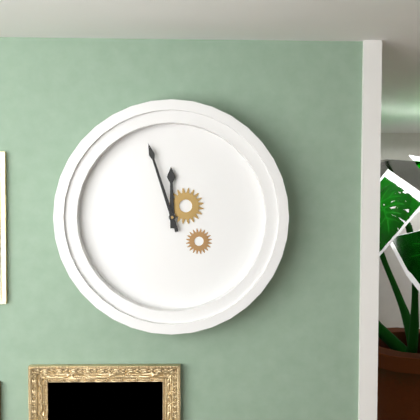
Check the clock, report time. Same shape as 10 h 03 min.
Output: 11 h 57 min
